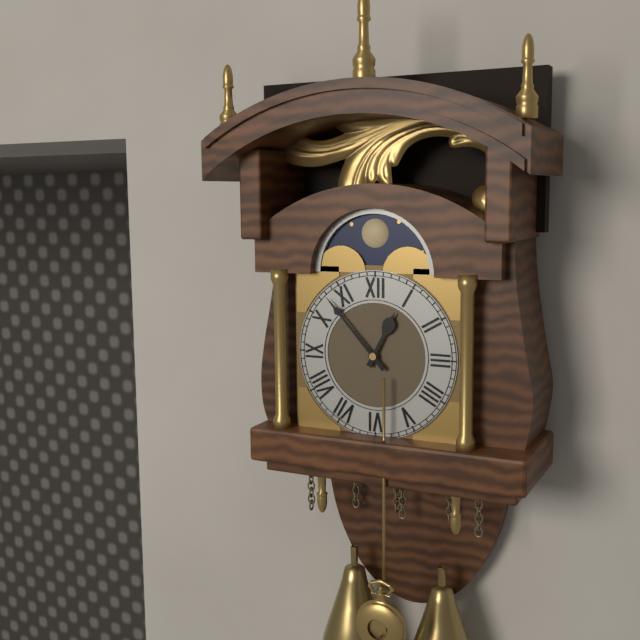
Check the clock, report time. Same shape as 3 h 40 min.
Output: 12 h 53 min
